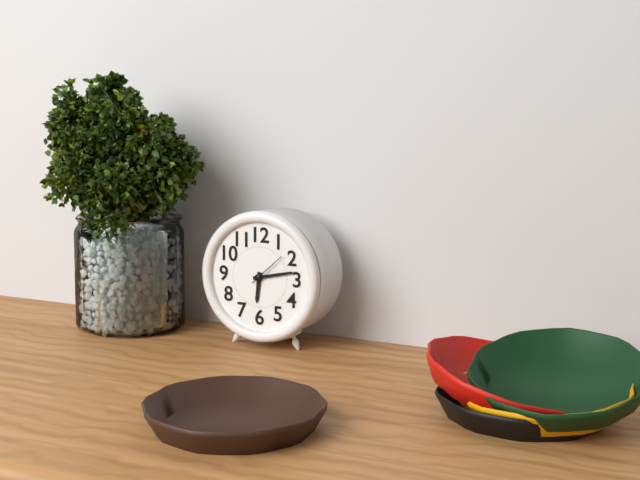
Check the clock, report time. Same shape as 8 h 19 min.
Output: 6 h 13 min
